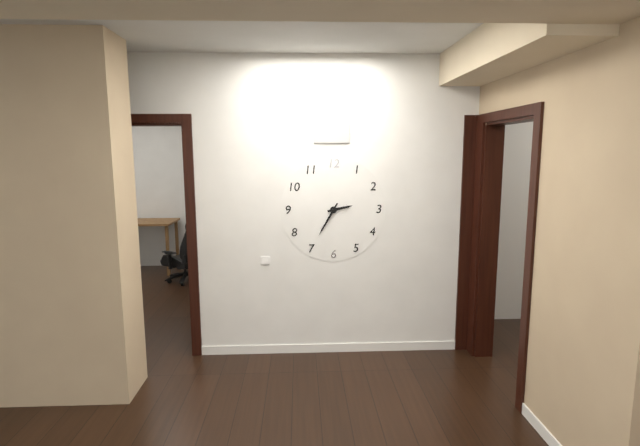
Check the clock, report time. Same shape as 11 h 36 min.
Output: 2 h 35 min
